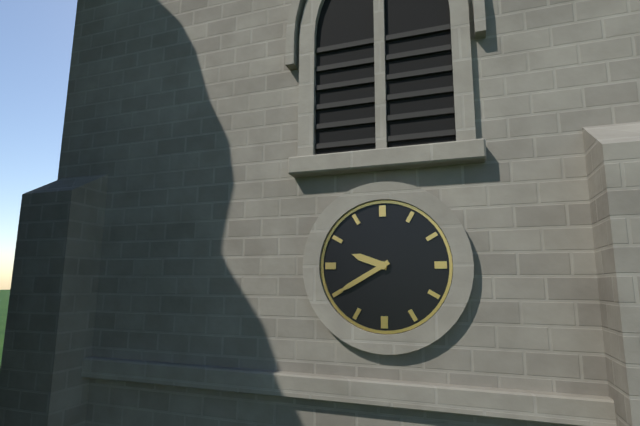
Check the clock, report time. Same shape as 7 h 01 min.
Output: 9 h 40 min
